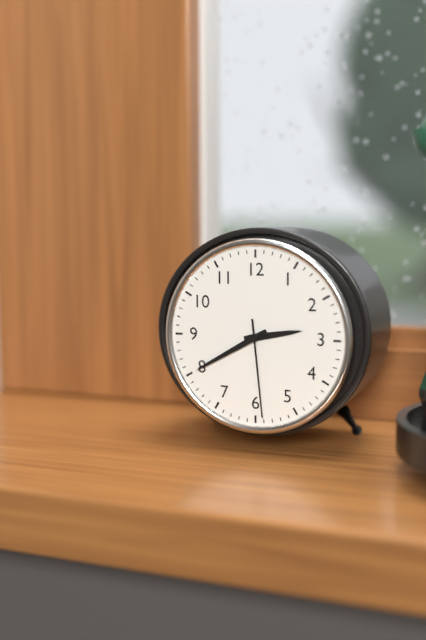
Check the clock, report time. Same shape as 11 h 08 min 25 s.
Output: 2 h 40 min 29 s
